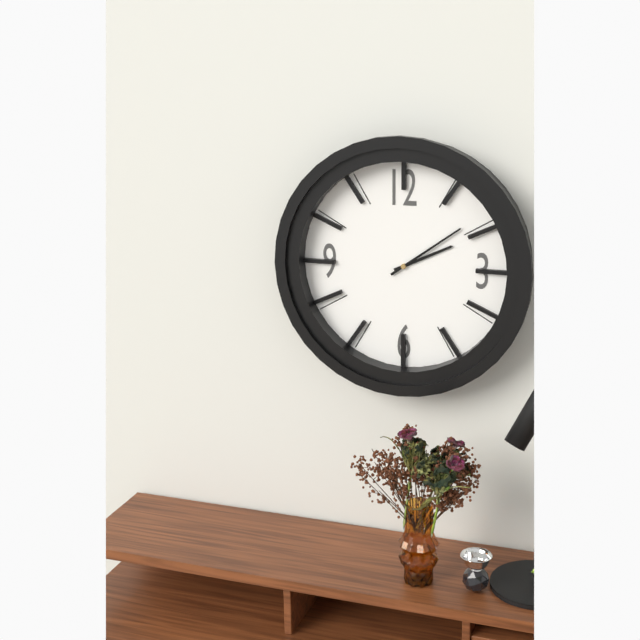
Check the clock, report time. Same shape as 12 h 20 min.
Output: 2 h 09 min
